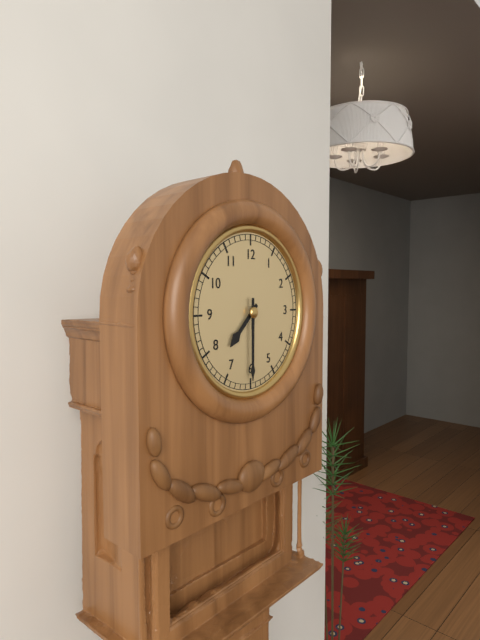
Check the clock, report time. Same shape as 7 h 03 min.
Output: 7 h 30 min
